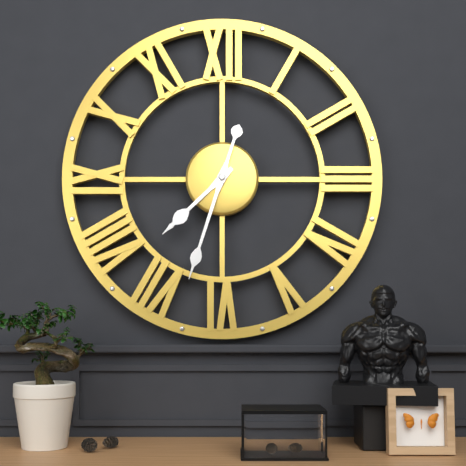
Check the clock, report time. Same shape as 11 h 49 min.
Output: 7 h 33 min
